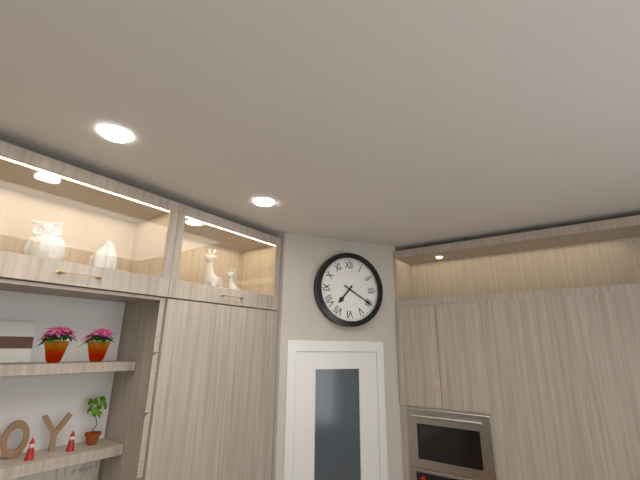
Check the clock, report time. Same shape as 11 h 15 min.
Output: 7 h 20 min
